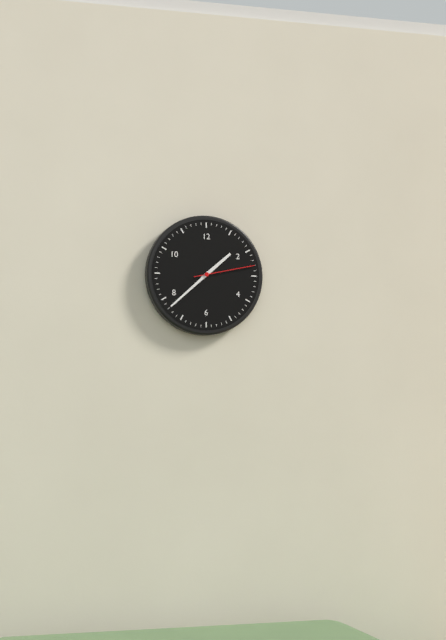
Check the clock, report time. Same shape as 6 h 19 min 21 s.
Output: 1 h 38 min 13 s
